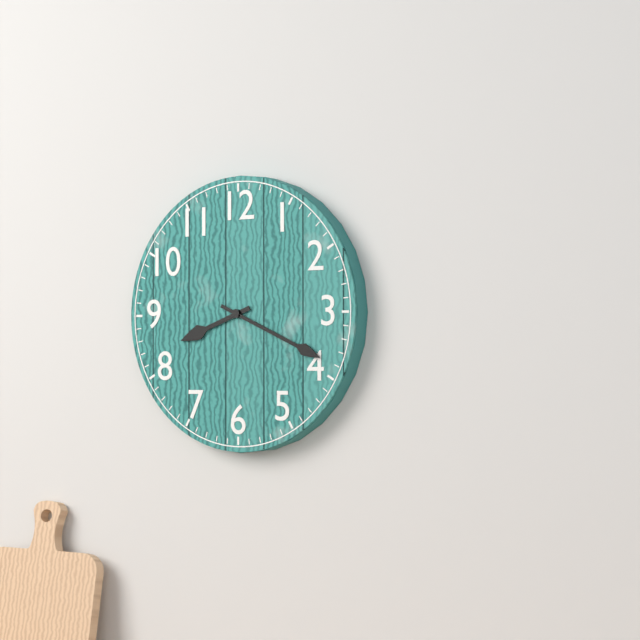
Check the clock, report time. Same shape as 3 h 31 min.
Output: 8 h 19 min
